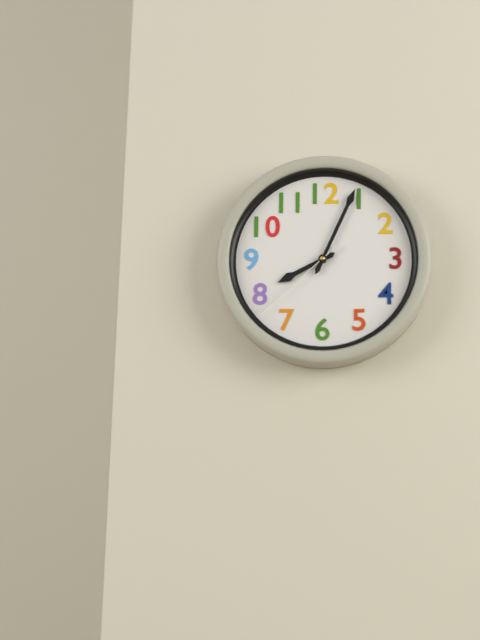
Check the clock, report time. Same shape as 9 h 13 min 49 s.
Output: 8 h 04 min 38 s
